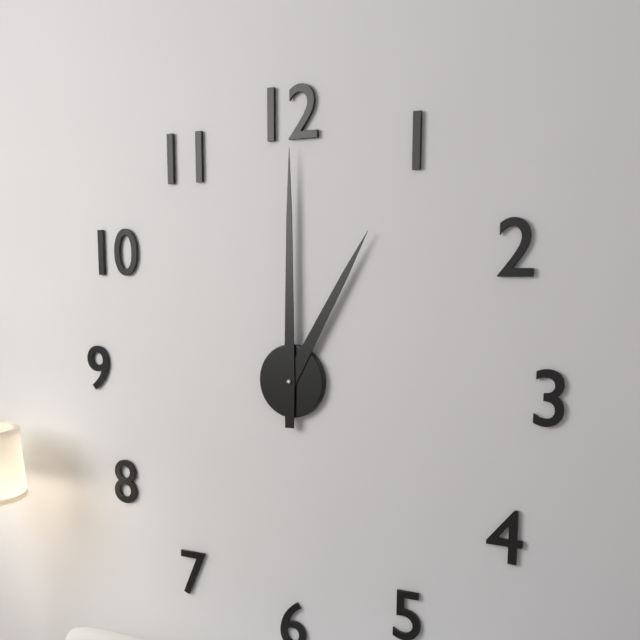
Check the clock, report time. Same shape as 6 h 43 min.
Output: 1 h 00 min
